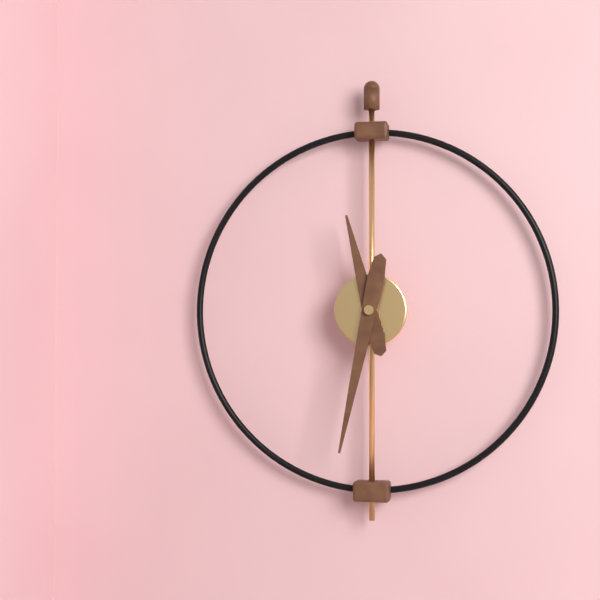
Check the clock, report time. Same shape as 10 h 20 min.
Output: 11 h 32 min
